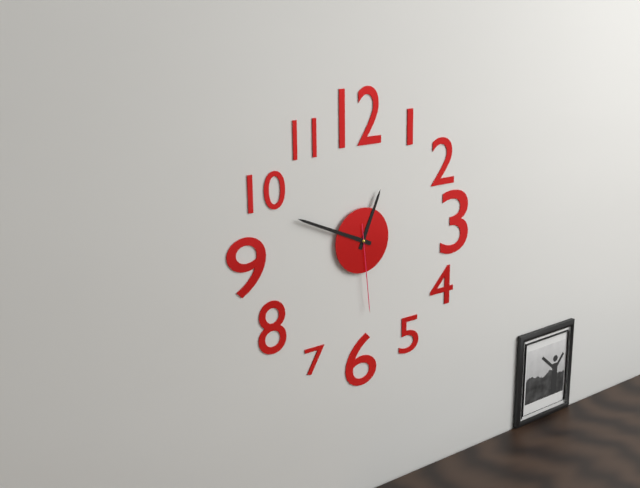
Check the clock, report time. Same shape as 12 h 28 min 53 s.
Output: 12 h 49 min 29 s
